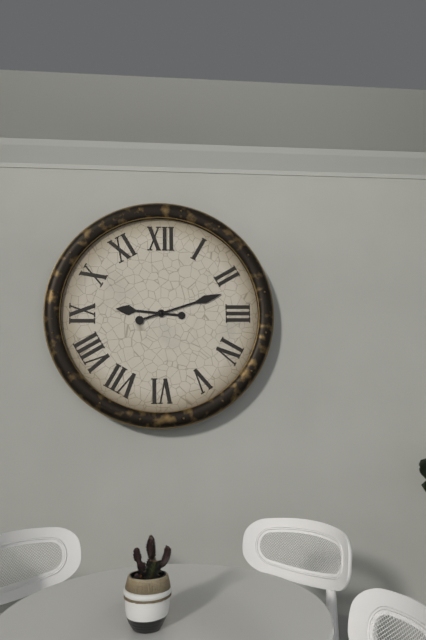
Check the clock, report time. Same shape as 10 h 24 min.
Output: 9 h 12 min
